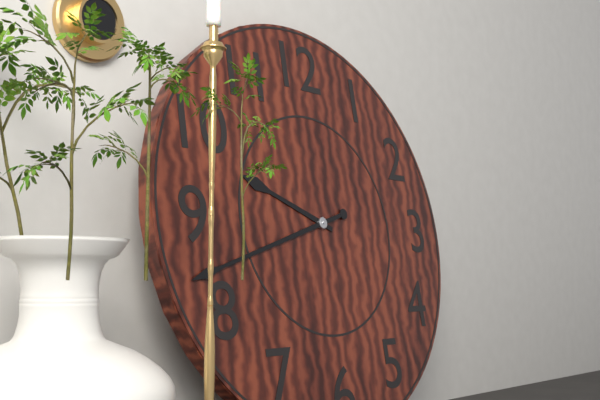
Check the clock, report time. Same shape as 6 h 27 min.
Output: 9 h 42 min
